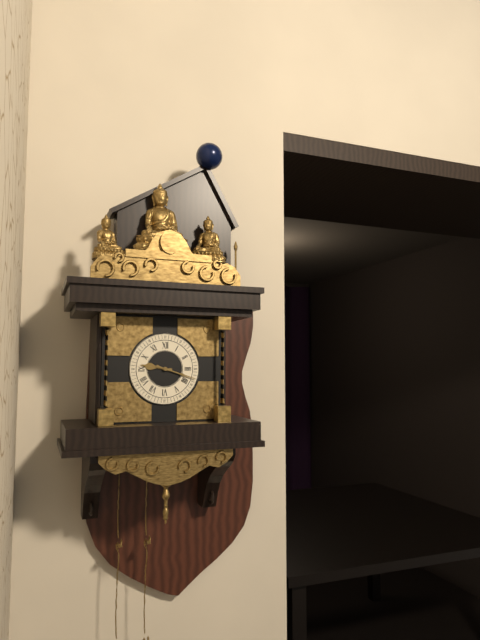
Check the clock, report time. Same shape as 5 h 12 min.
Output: 9 h 18 min
